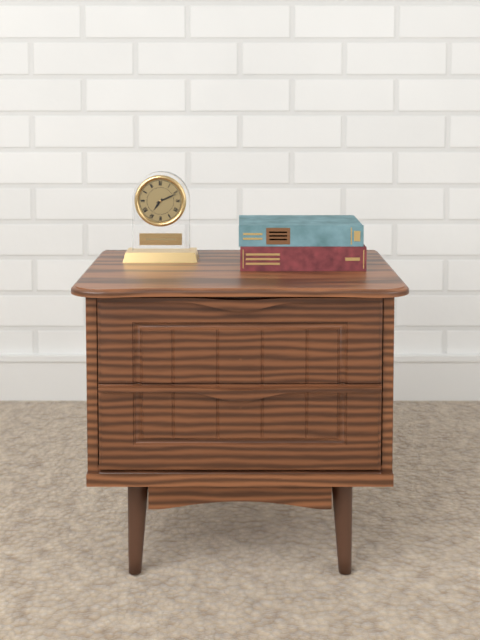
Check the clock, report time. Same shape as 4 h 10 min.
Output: 7 h 11 min
